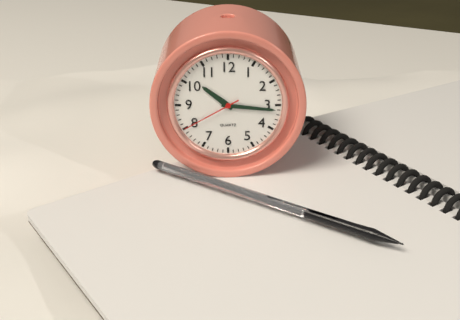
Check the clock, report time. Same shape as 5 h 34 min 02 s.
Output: 10 h 16 min 40 s
